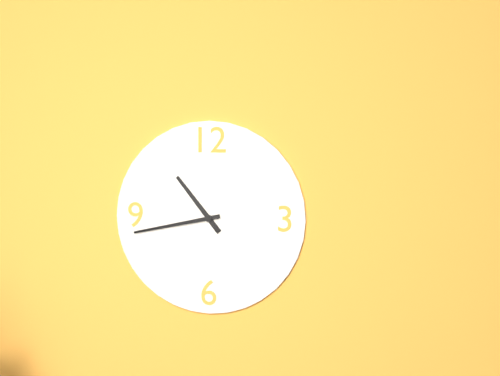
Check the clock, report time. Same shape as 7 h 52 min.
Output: 10 h 43 min
